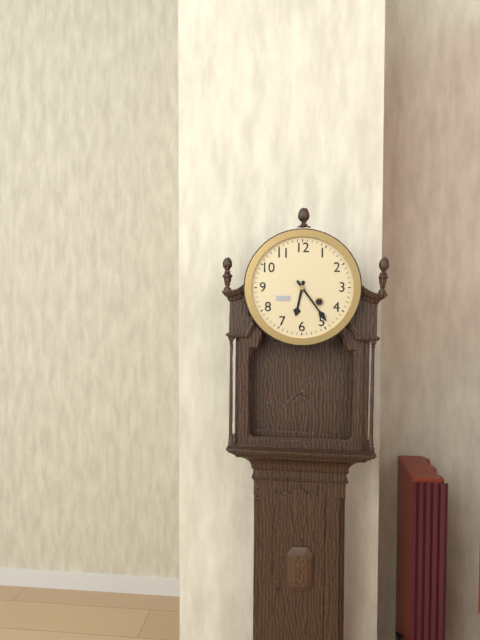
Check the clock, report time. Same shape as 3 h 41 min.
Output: 6 h 24 min
